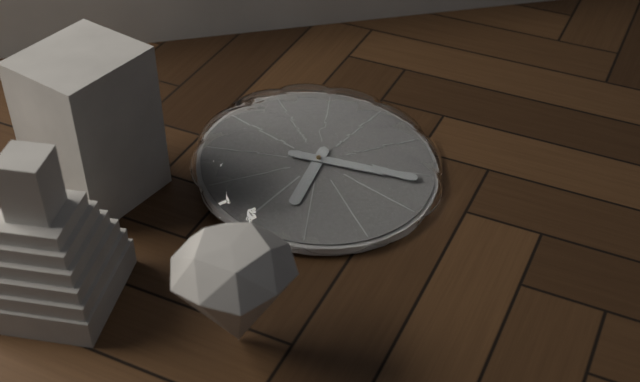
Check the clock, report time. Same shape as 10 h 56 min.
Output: 8 h 26 min
